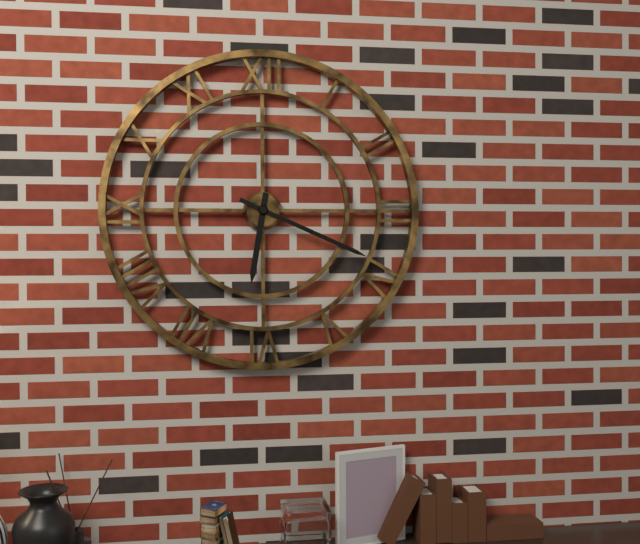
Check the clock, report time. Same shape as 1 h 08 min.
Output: 6 h 19 min
